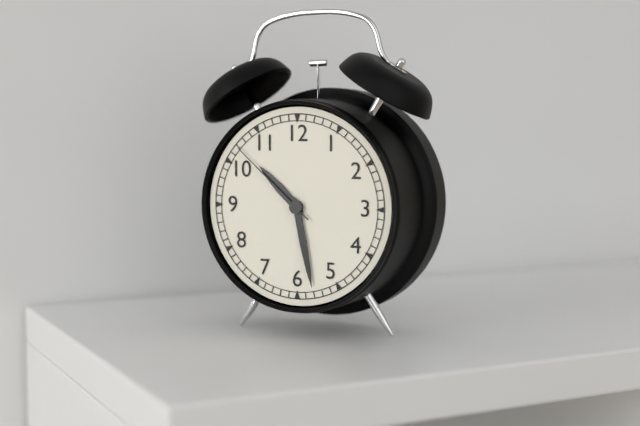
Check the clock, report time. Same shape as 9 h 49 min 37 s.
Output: 10 h 28 min 52 s
